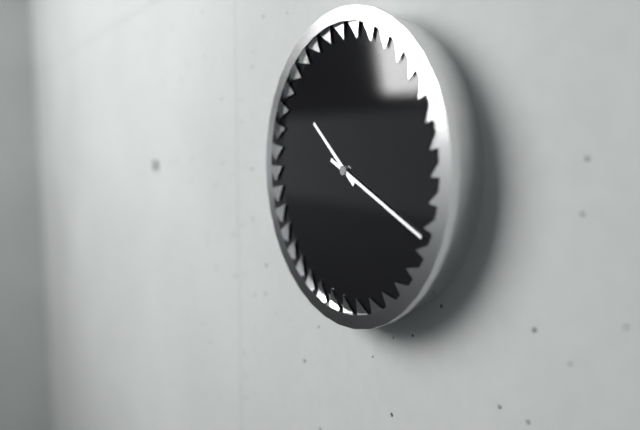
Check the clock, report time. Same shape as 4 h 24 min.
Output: 10 h 19 min
